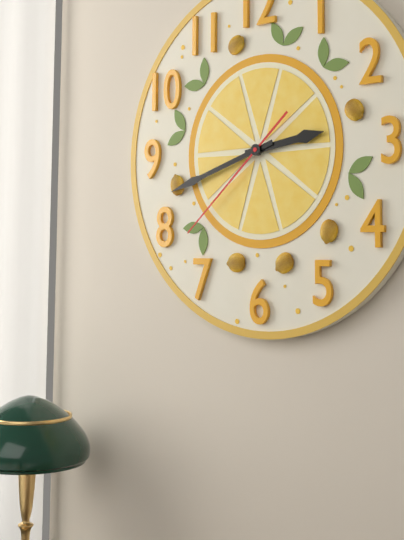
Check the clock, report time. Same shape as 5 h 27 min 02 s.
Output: 2 h 42 min 38 s
